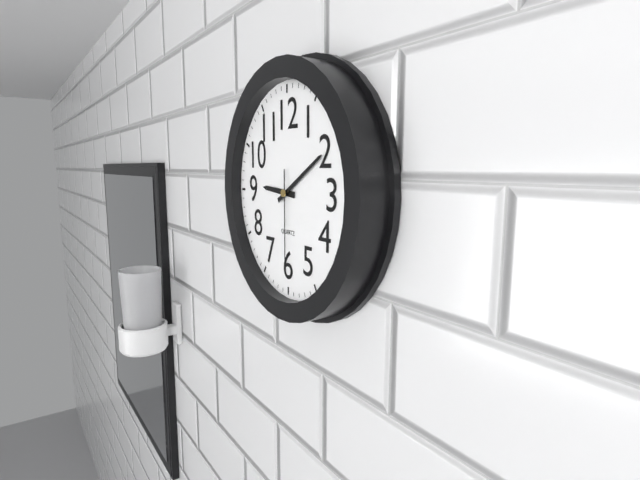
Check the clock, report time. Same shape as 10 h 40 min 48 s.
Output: 9 h 10 min 30 s
